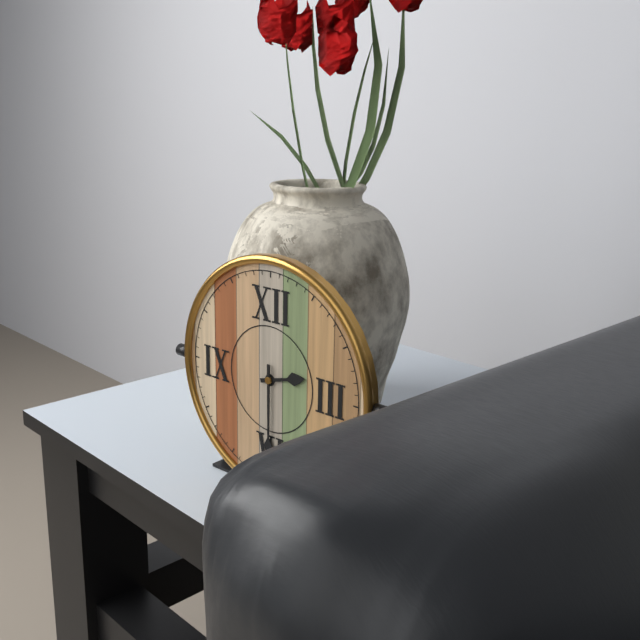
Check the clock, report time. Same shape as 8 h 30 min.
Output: 2 h 30 min
